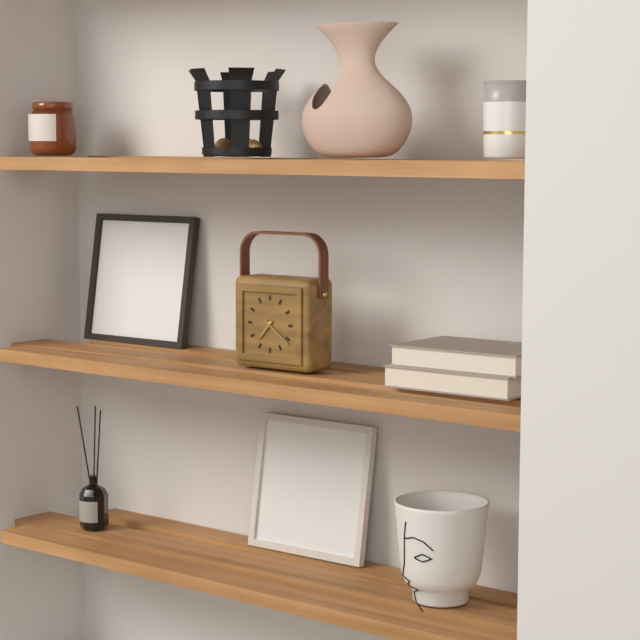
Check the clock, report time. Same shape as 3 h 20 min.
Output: 7 h 21 min
